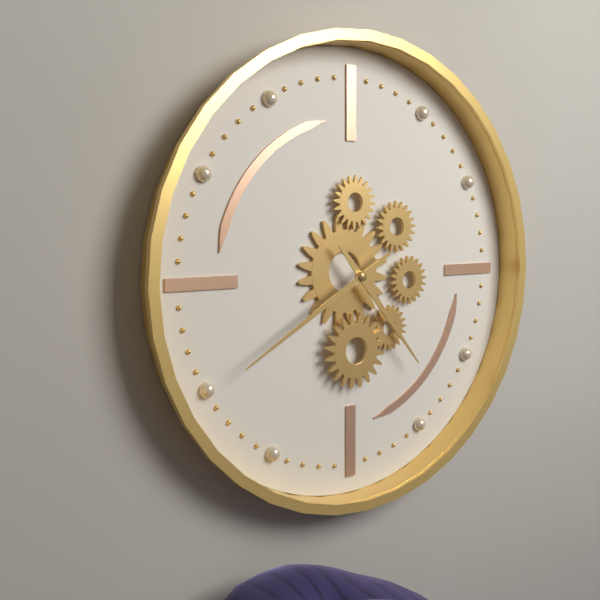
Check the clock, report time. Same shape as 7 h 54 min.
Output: 4 h 40 min
